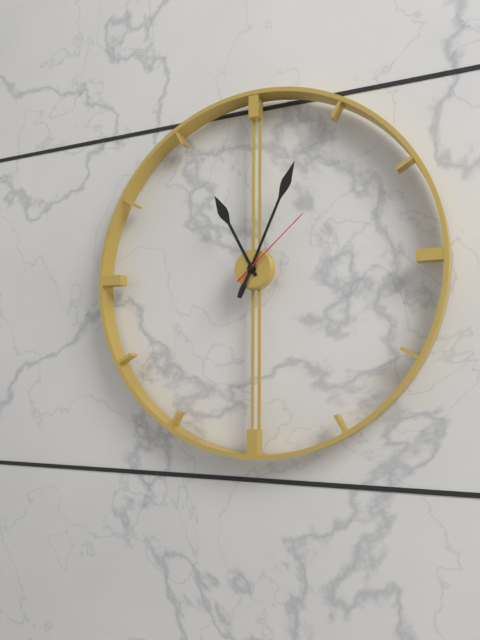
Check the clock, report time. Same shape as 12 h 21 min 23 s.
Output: 11 h 04 min 08 s
